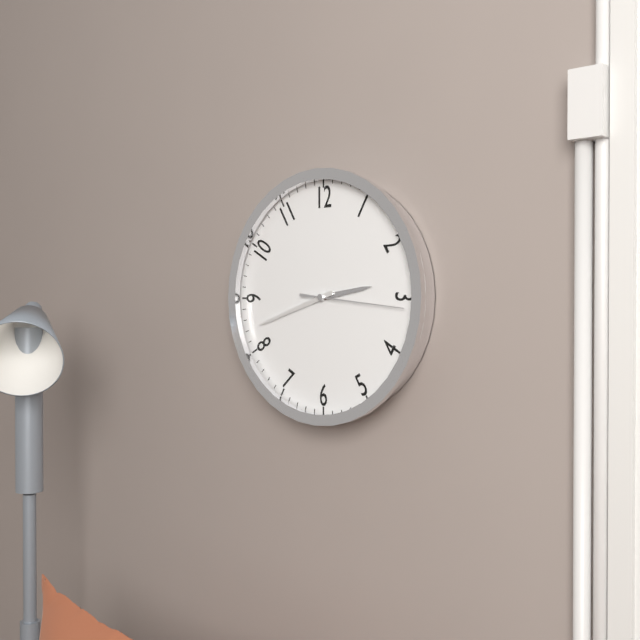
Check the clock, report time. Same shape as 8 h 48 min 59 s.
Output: 2 h 42 min 16 s
